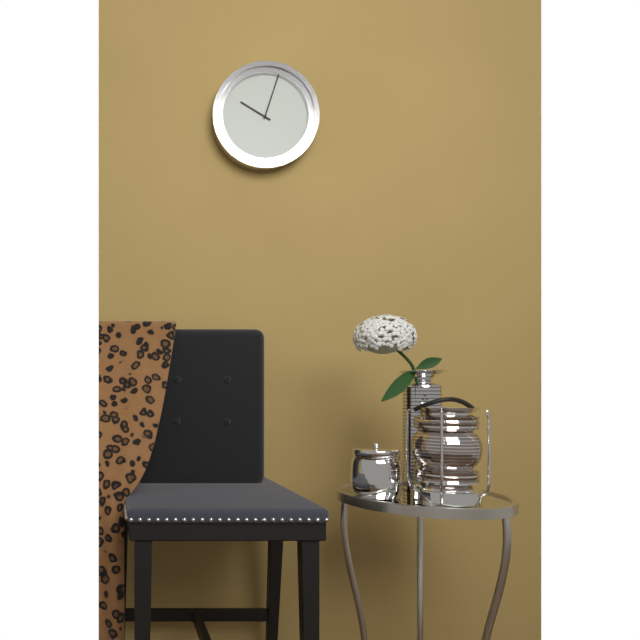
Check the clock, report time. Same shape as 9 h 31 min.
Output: 10 h 03 min
